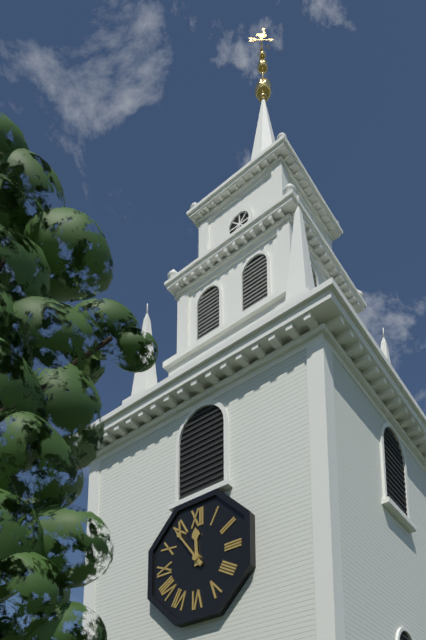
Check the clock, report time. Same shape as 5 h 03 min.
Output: 11 h 54 min
